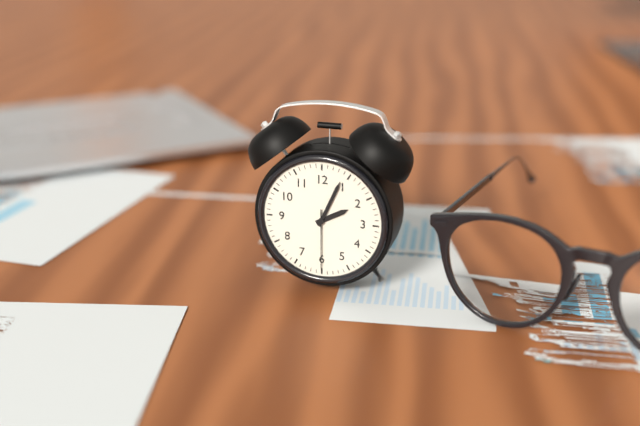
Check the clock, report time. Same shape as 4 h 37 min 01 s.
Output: 2 h 04 min 30 s
